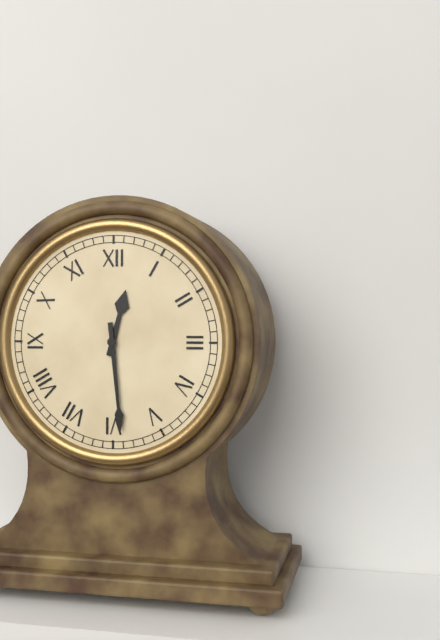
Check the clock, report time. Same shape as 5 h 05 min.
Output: 12 h 29 min
